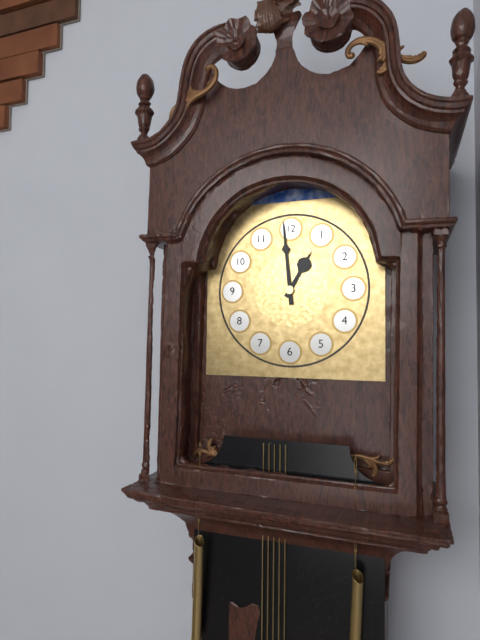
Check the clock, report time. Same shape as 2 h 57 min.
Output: 12 h 59 min
